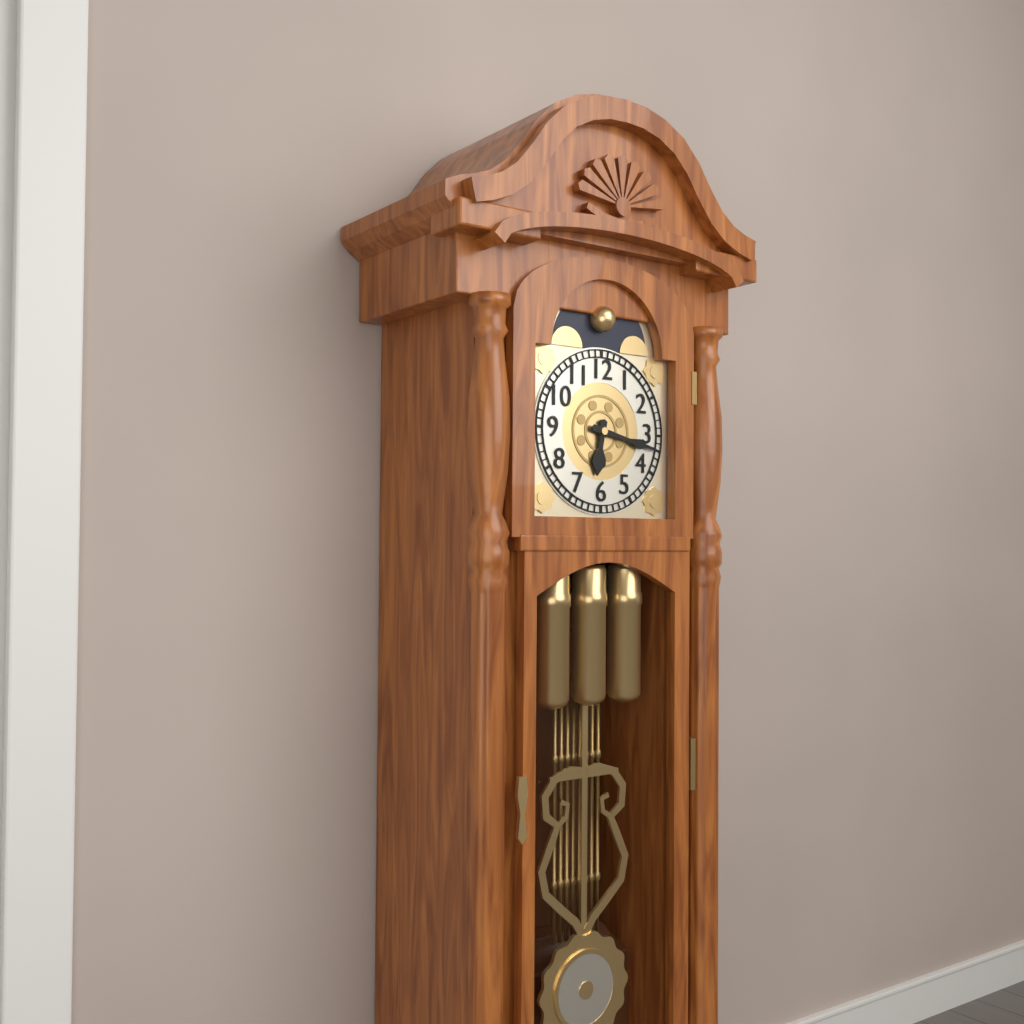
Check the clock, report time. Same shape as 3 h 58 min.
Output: 6 h 17 min
